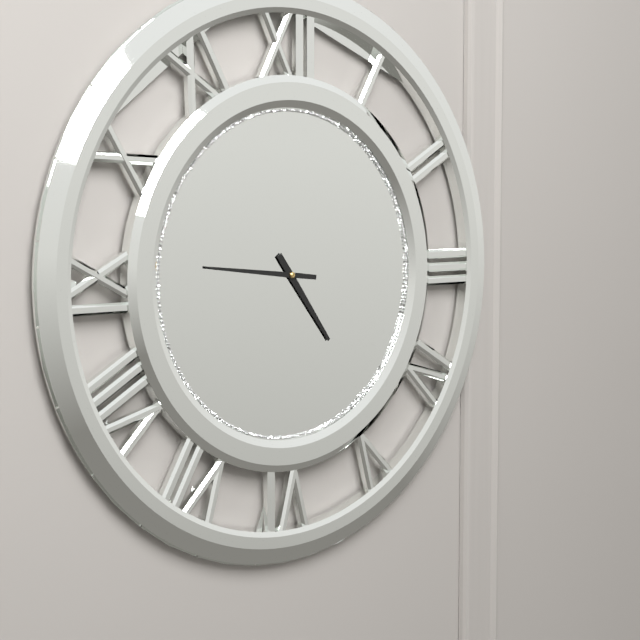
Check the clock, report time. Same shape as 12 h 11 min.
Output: 4 h 46 min
